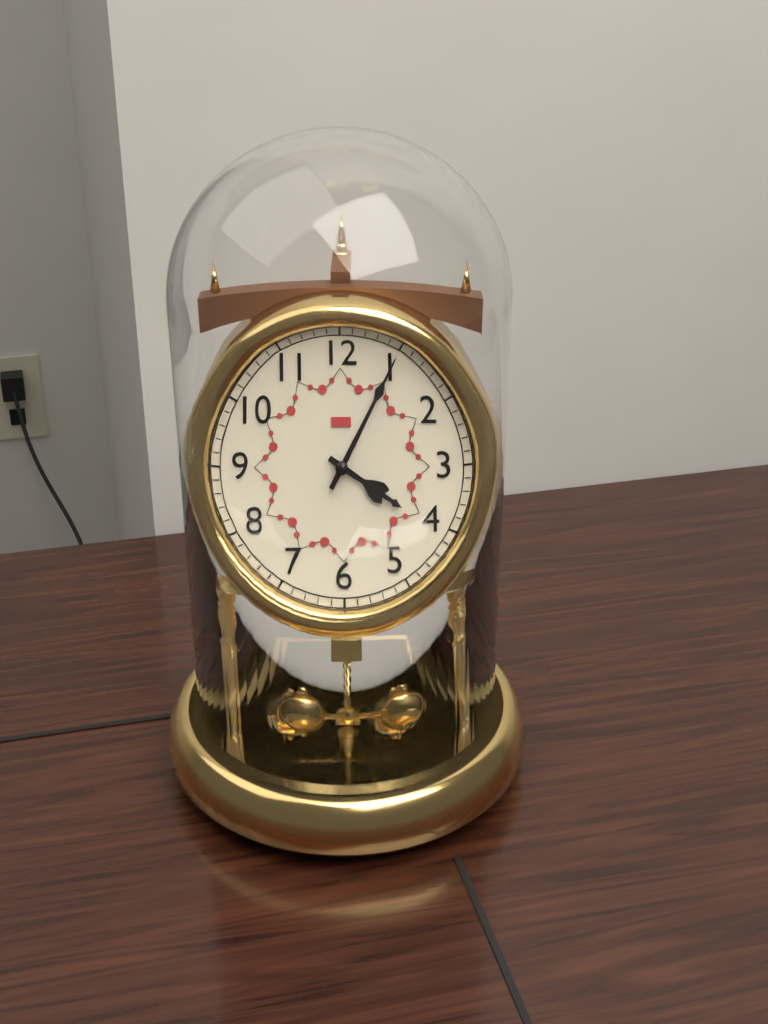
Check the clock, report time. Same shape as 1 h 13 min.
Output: 4 h 05 min
